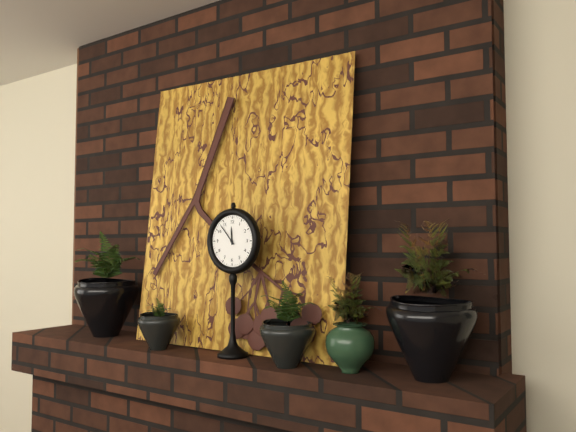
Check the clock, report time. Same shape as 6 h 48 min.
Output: 11 h 53 min
